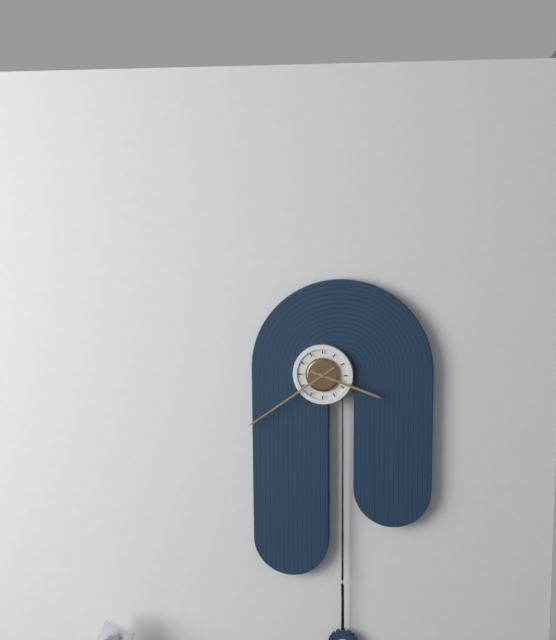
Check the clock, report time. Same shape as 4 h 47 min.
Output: 3 h 39 min
